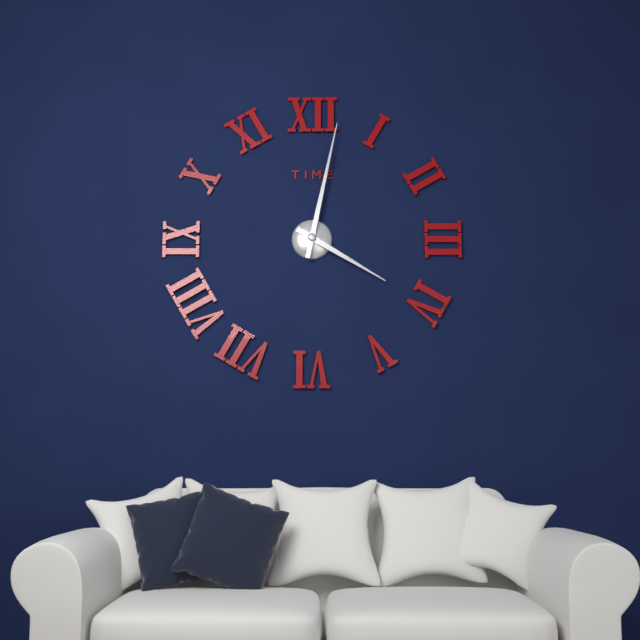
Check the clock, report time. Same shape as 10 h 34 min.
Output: 4 h 02 min
